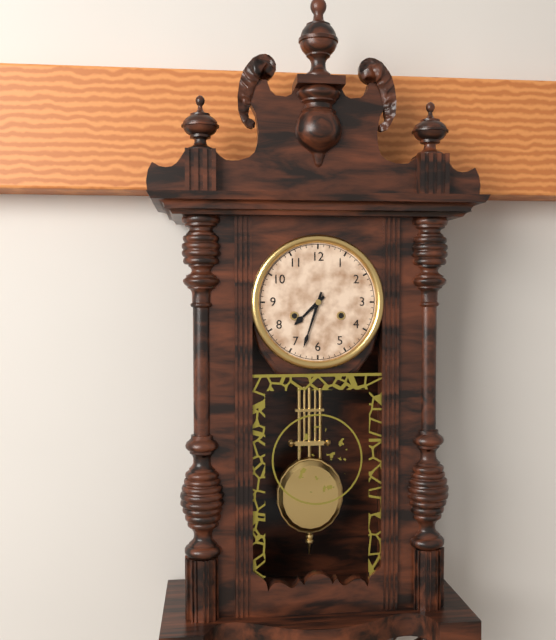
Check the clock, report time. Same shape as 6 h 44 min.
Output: 7 h 33 min
